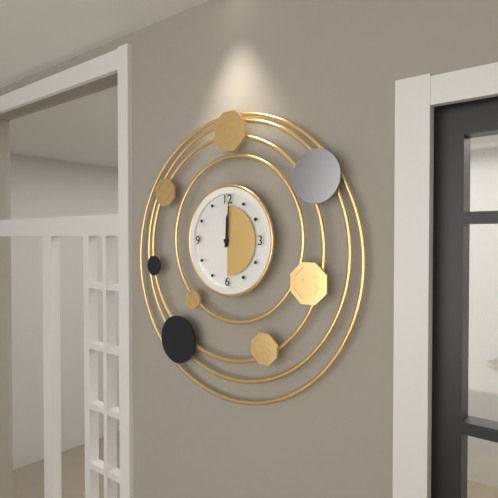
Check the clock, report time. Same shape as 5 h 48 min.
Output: 12 h 01 min
